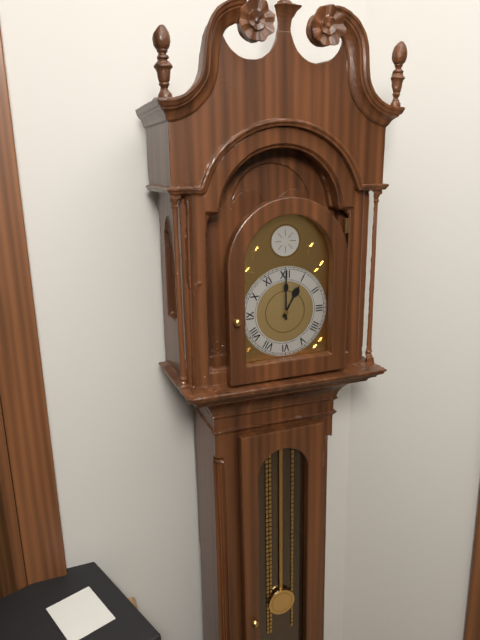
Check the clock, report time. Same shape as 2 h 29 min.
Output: 1 h 00 min
